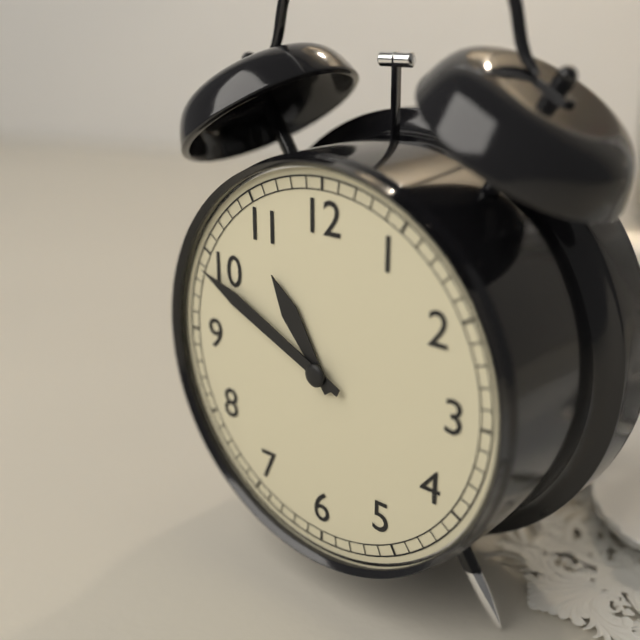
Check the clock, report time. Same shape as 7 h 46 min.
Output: 10 h 49 min
